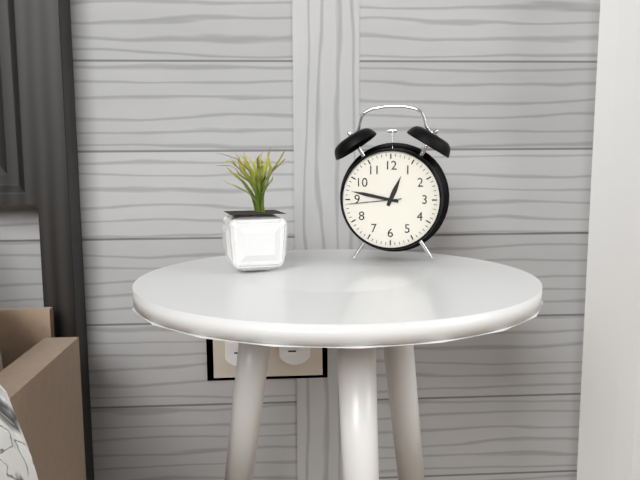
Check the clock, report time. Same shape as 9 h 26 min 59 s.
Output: 12 h 47 min 44 s
